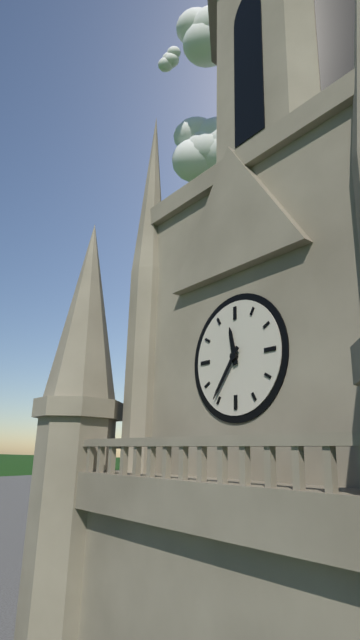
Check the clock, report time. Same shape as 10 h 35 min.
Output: 11 h 36 min
